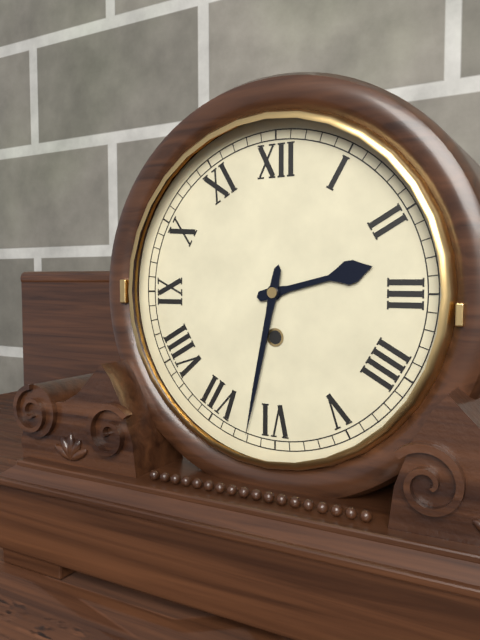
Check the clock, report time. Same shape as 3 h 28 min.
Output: 2 h 32 min
